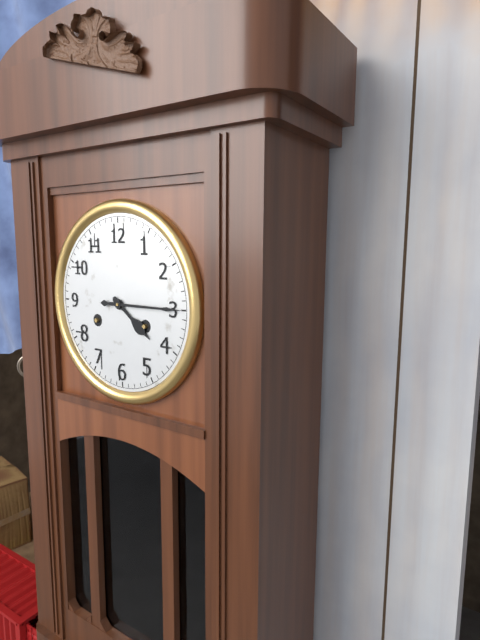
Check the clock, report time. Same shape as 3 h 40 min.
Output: 4 h 15 min
